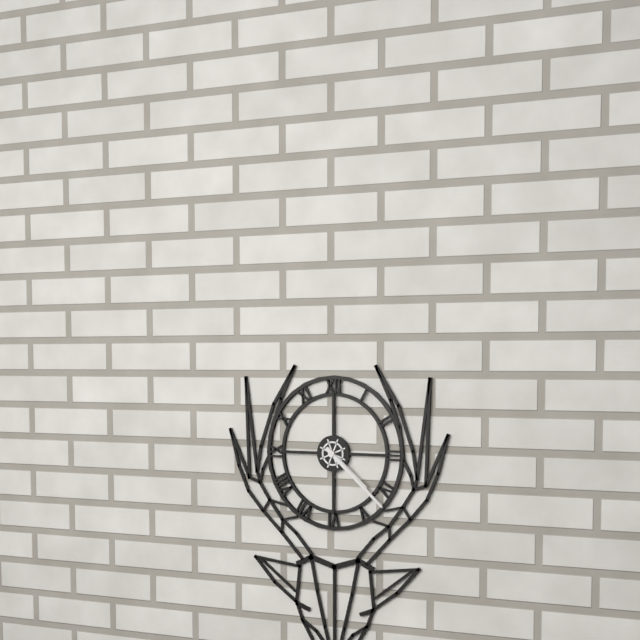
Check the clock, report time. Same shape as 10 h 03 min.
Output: 4 h 22 min
